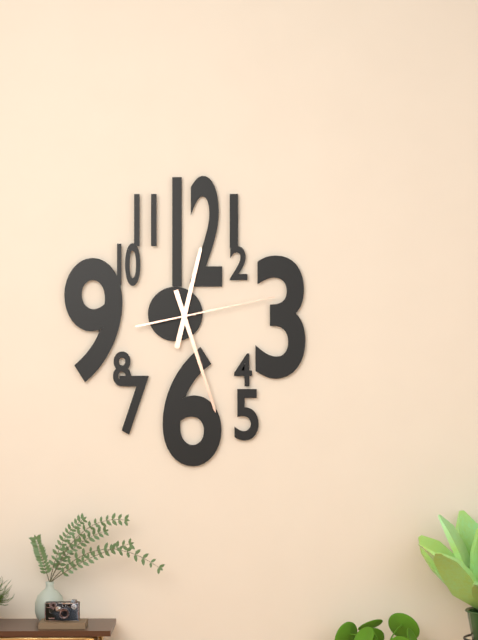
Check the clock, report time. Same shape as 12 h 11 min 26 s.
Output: 12 h 27 min 13 s
